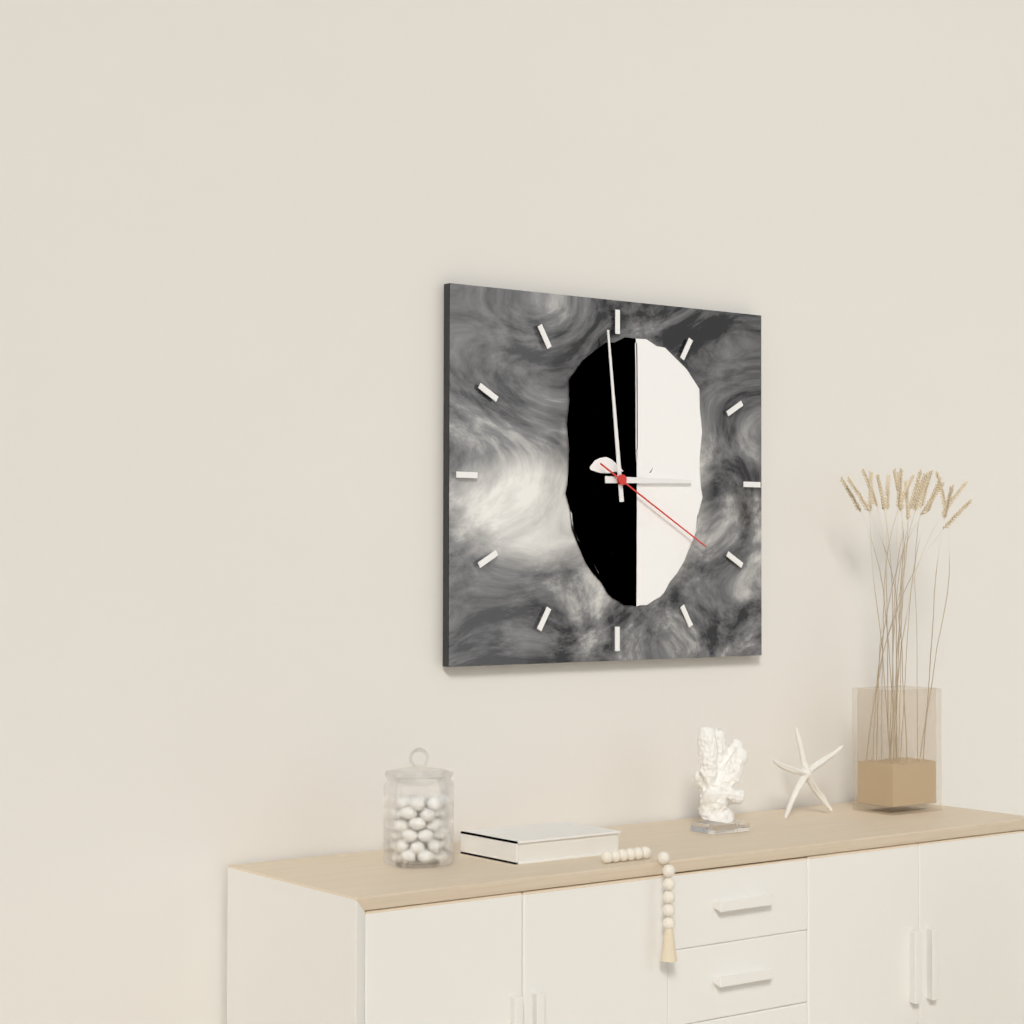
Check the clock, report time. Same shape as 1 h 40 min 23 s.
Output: 2 h 59 min 20 s
